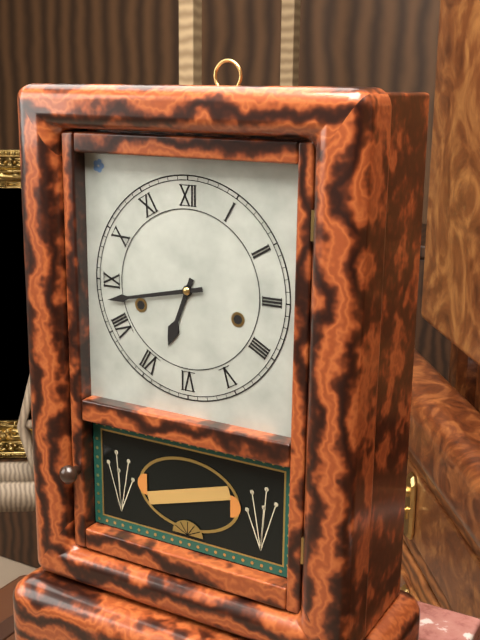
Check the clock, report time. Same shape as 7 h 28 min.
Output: 6 h 43 min
